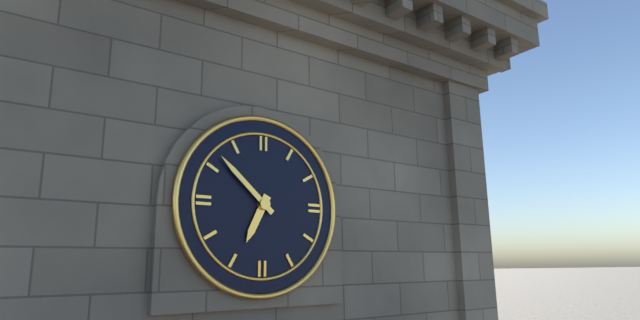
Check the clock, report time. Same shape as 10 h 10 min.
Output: 6 h 52 min
